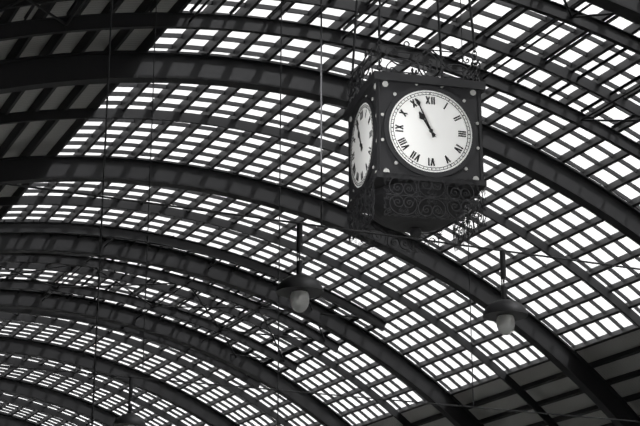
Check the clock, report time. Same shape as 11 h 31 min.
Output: 10 h 56 min
